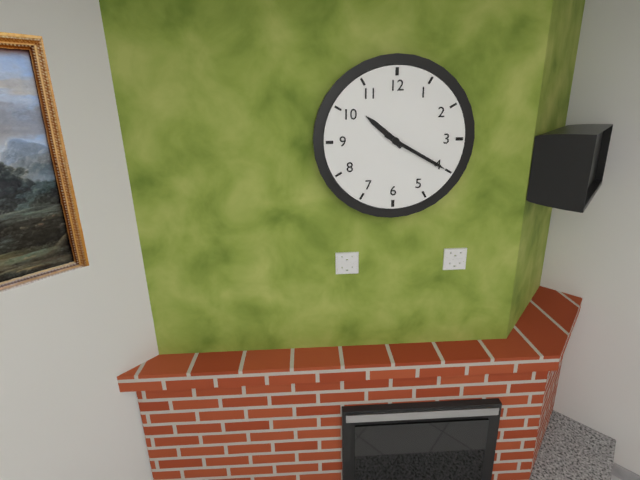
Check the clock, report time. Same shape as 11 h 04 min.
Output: 10 h 20 min
